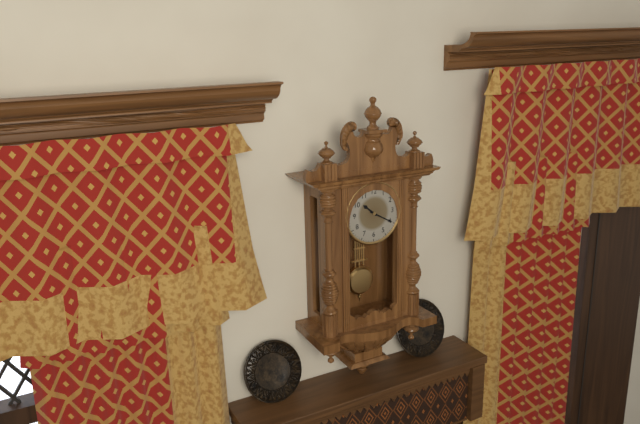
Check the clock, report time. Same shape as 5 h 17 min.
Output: 10 h 20 min
